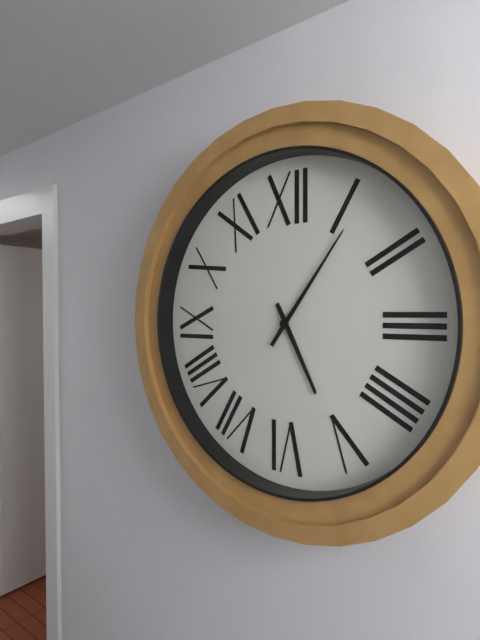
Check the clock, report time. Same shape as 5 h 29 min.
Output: 5 h 06 min
